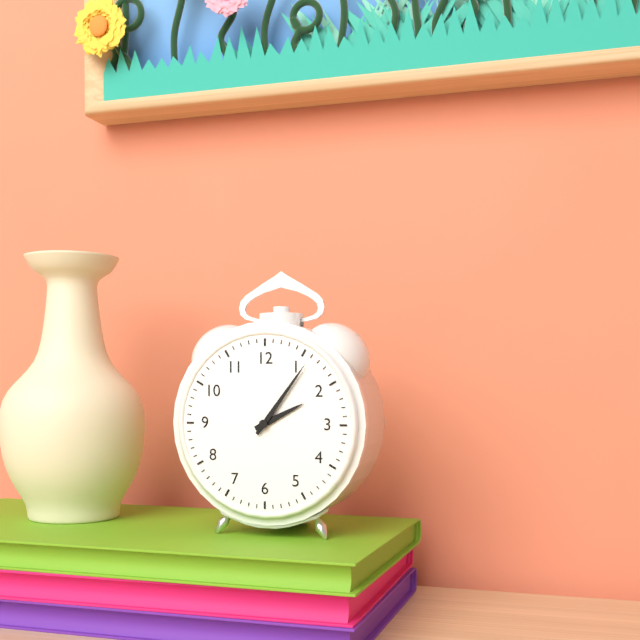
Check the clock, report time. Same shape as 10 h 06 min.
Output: 2 h 06 min
